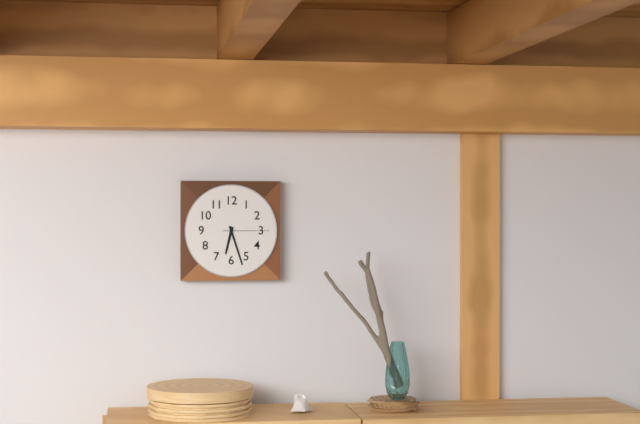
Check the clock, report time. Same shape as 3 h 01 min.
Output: 6 h 27 min
